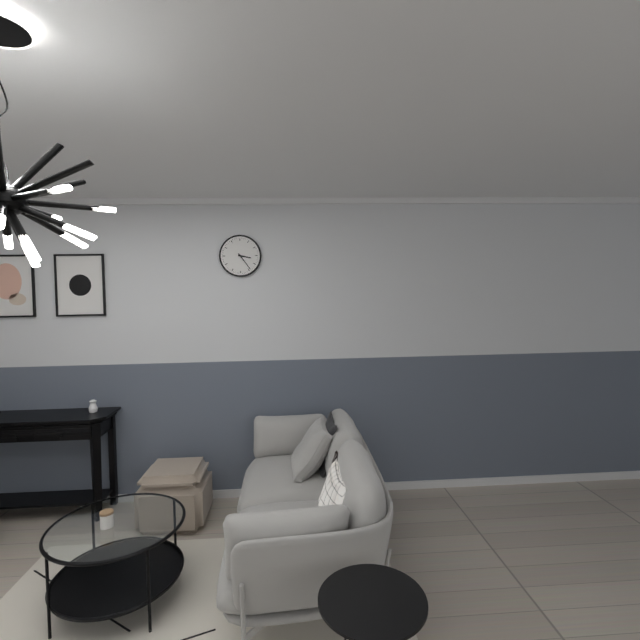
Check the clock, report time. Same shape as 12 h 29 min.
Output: 3 h 24 min
